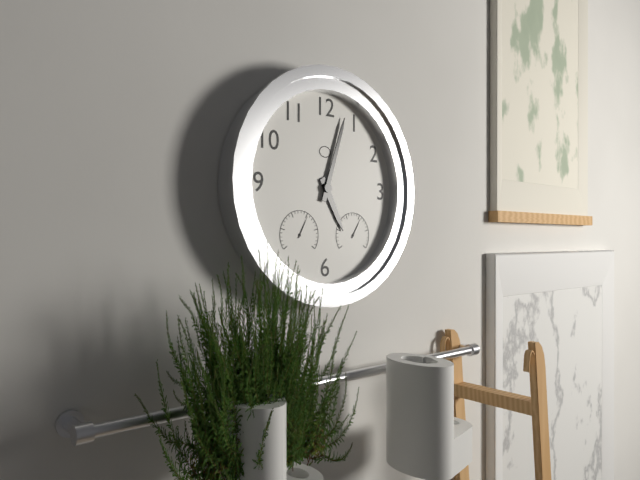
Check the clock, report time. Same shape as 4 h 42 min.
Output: 5 h 03 min
